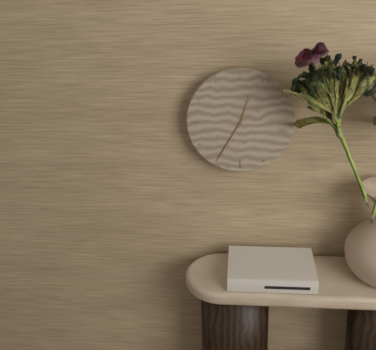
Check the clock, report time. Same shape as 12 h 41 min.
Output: 12 h 35 min
